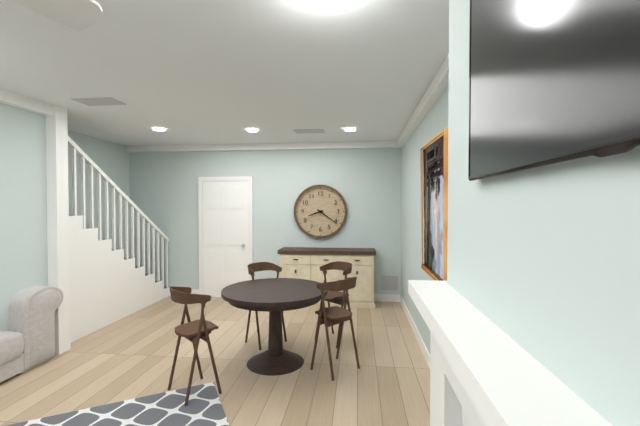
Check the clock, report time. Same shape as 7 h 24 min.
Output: 8 h 21 min
